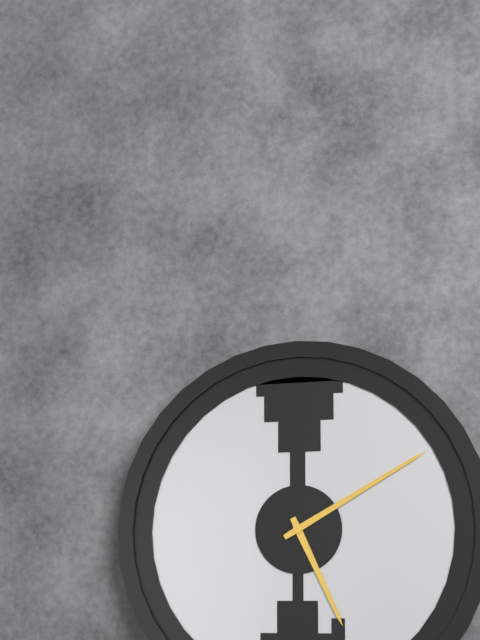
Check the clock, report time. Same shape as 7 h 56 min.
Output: 5 h 10 min
